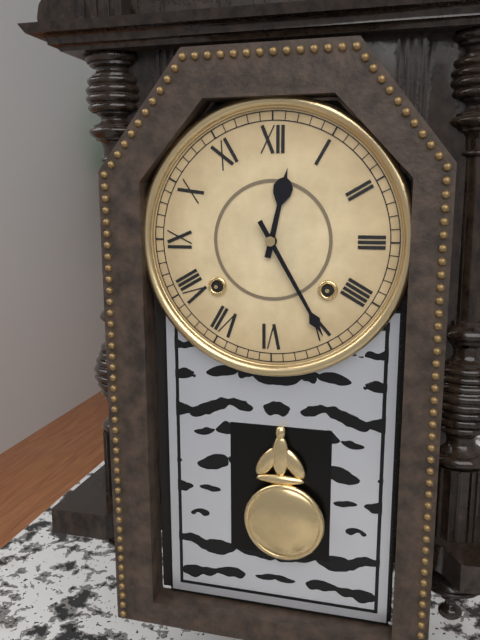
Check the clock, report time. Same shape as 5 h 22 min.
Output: 12 h 25 min
